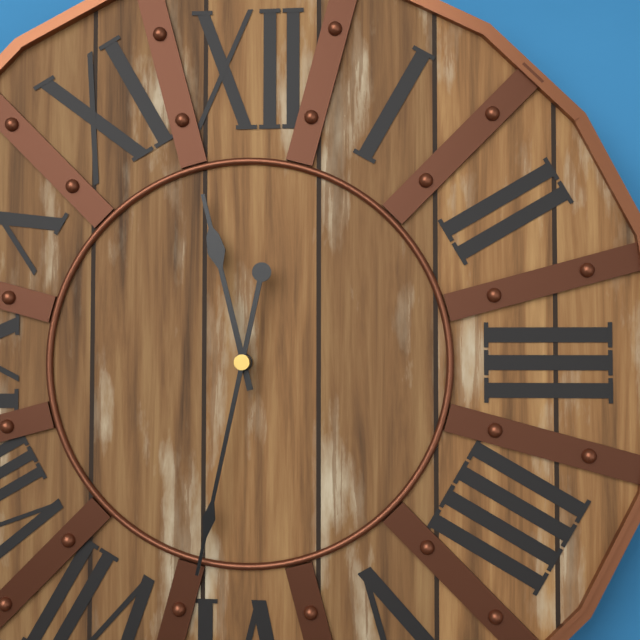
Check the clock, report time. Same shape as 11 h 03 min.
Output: 11 h 32 min
